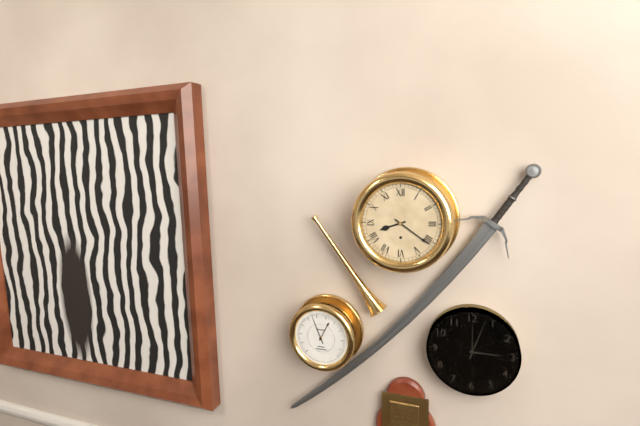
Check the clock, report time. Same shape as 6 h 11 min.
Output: 8 h 21 min
